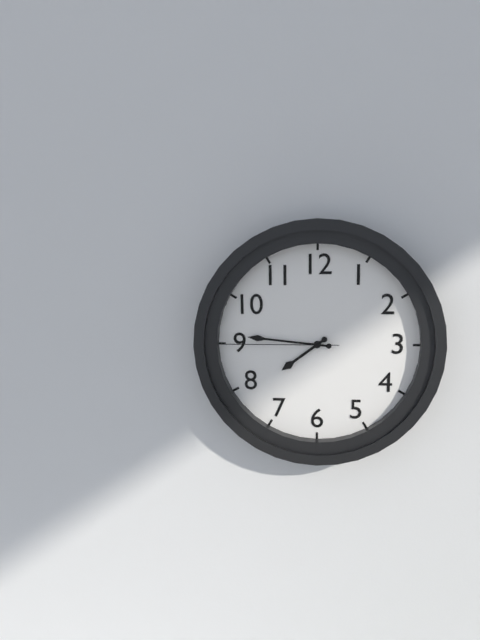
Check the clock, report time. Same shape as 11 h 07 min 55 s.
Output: 7 h 46 min 45 s
